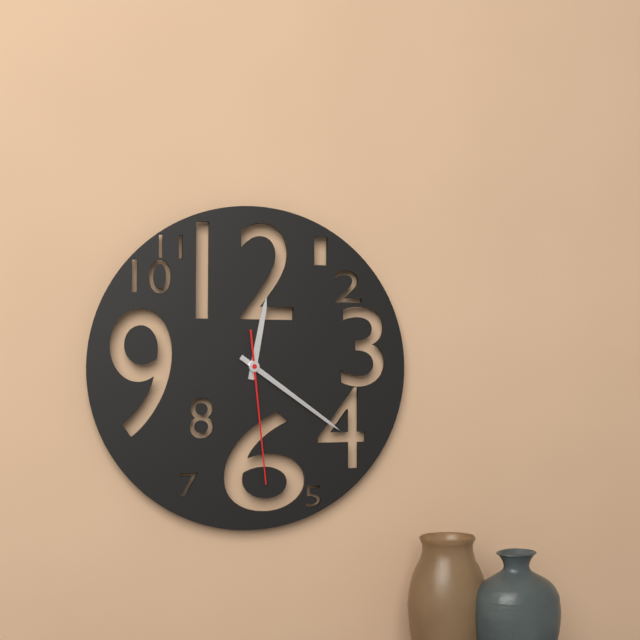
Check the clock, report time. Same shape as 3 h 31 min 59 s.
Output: 12 h 21 min 29 s
